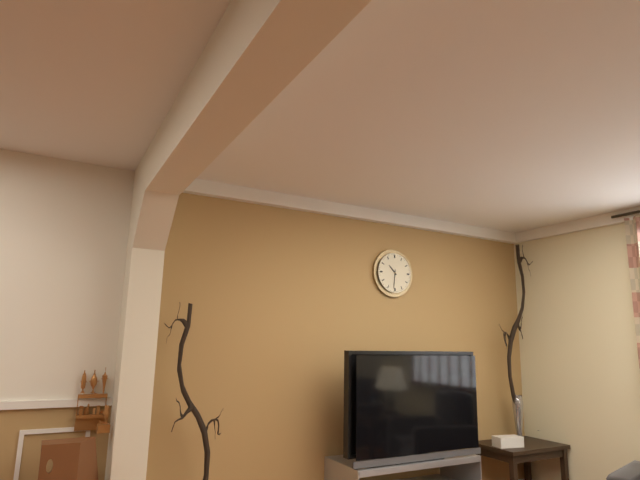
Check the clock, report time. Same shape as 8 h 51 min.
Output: 10 h 31 min
